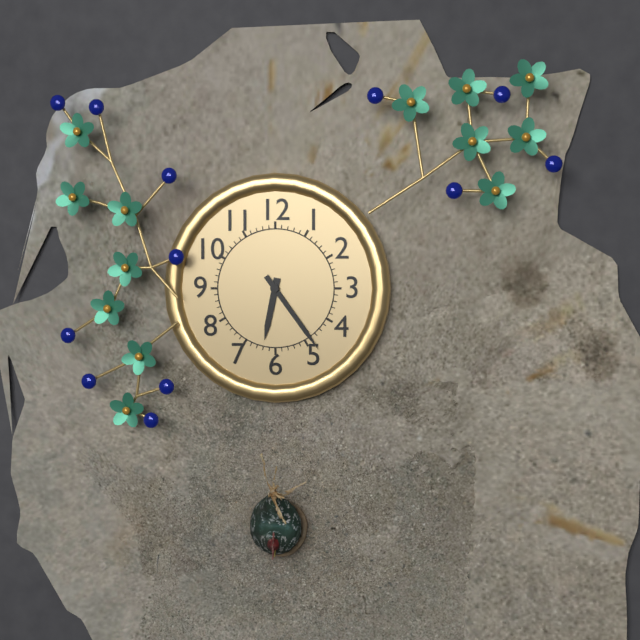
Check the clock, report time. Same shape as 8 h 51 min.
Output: 6 h 24 min
